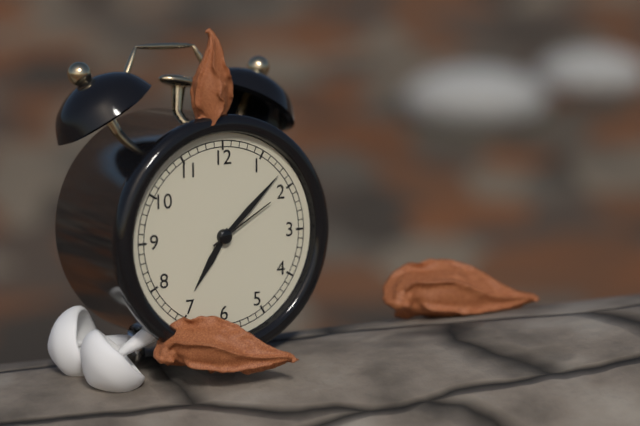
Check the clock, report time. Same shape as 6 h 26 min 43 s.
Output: 7 h 08 min 10 s
